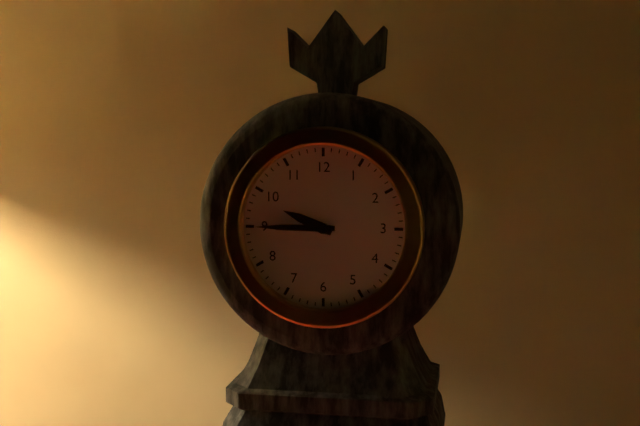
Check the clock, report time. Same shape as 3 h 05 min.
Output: 9 h 45 min
